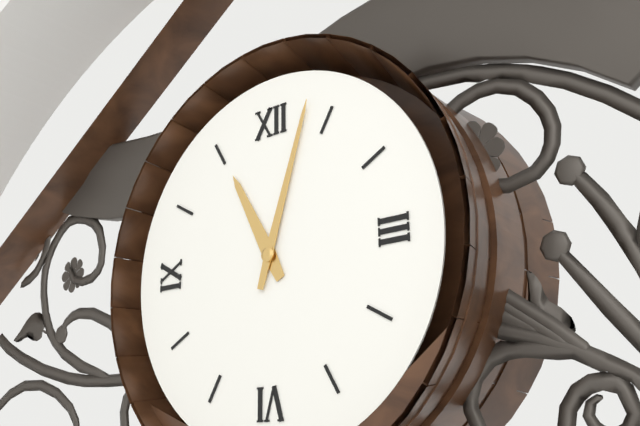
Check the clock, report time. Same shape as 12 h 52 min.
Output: 11 h 03 min
